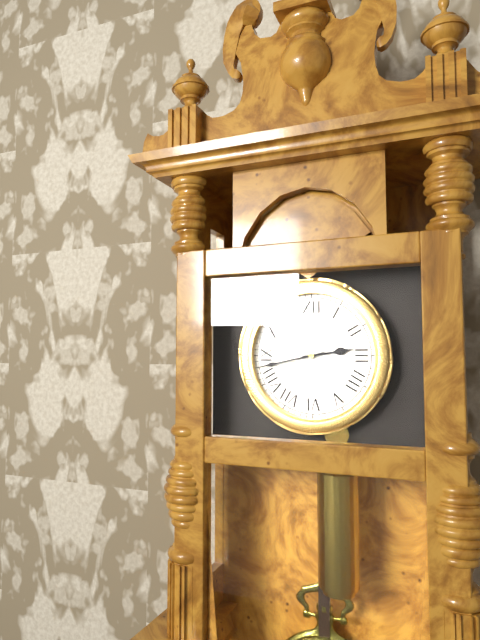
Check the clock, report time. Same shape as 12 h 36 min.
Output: 2 h 43 min
